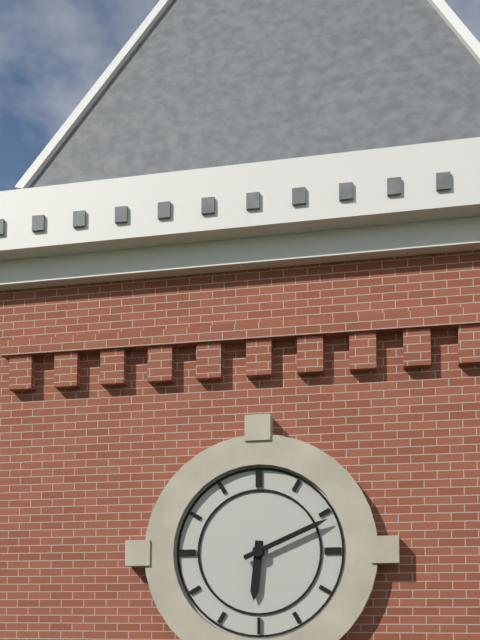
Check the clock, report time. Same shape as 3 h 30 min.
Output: 6 h 11 min
